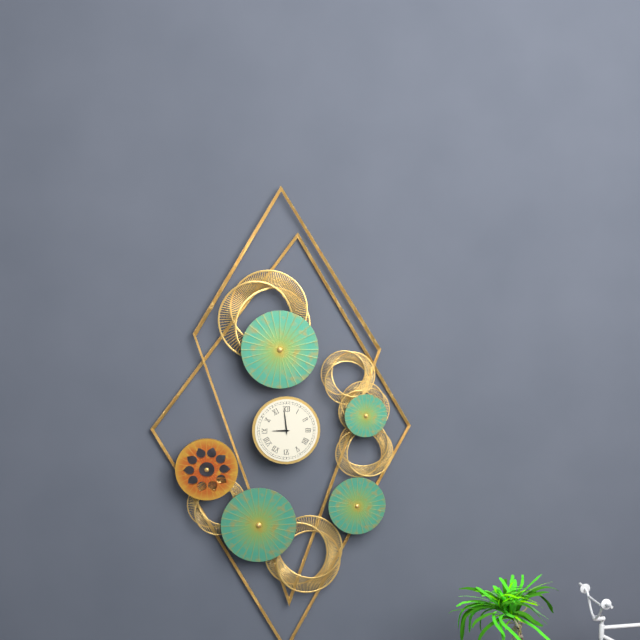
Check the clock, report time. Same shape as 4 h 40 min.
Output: 8 h 59 min
